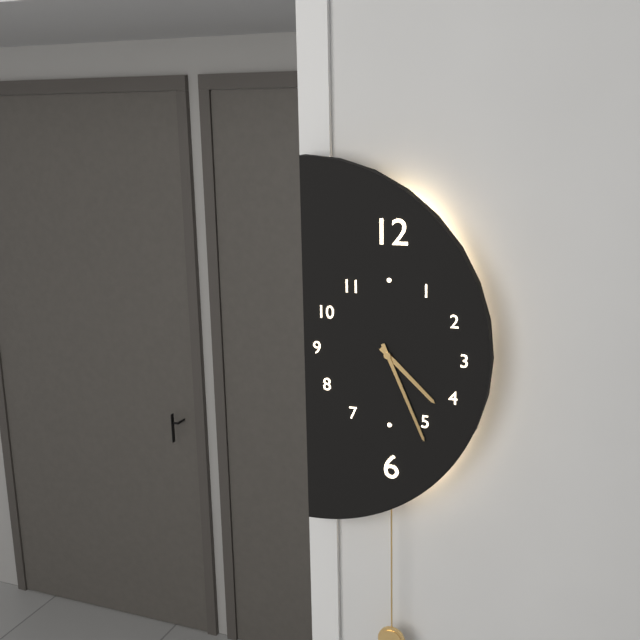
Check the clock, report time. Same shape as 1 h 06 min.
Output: 4 h 26 min
